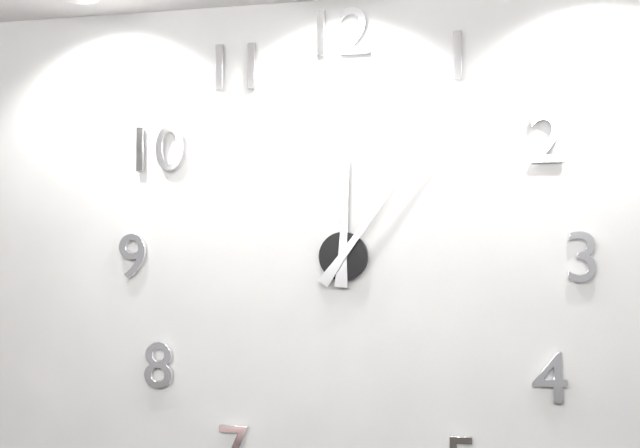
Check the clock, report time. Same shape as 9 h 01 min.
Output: 12 h 06 min
